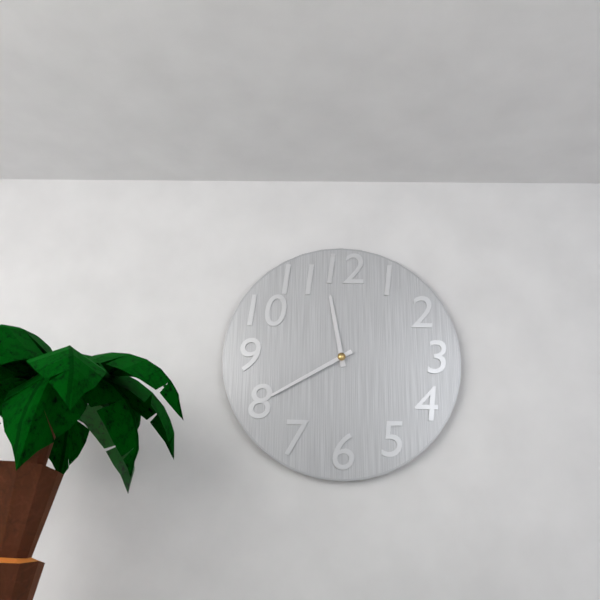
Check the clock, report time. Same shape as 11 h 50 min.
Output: 11 h 40 min
